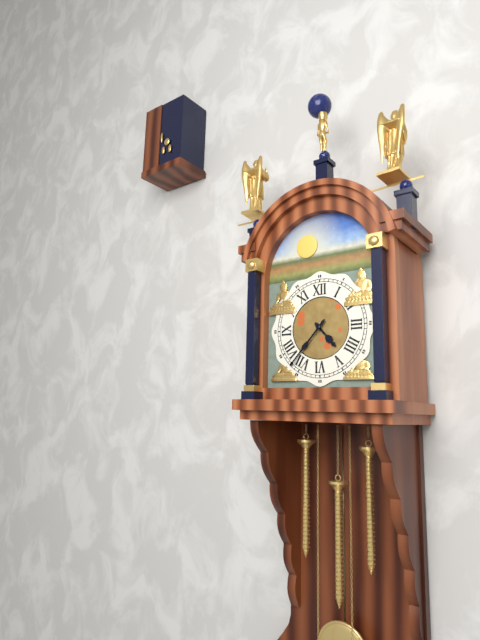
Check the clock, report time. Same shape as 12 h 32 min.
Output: 4 h 37 min
